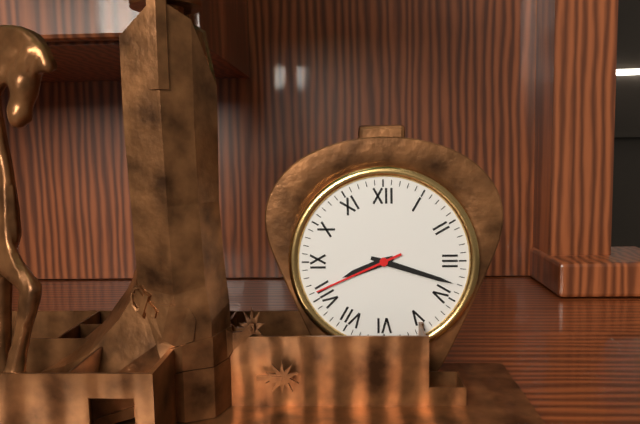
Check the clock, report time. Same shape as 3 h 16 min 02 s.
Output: 8 h 18 min 41 s
